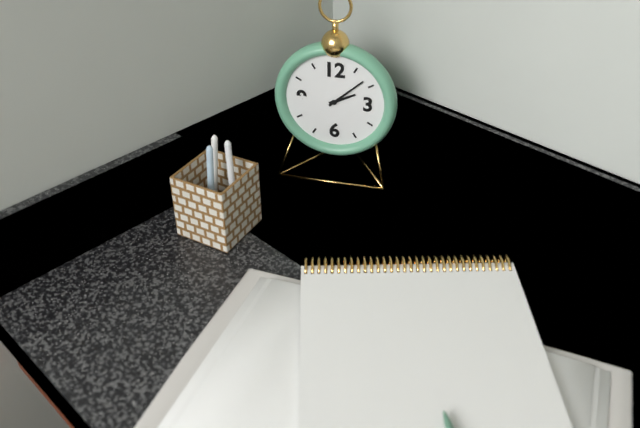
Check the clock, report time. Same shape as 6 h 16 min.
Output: 2 h 08 min
